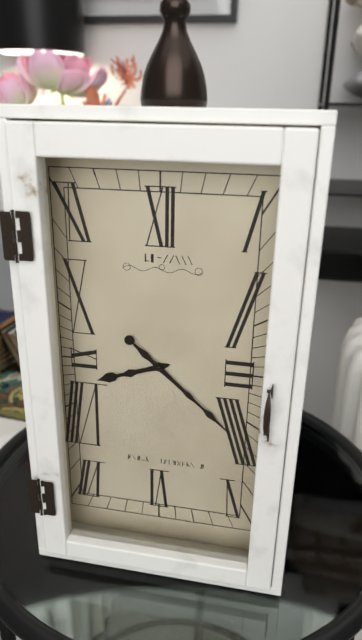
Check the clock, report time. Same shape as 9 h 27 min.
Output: 8 h 22 min
